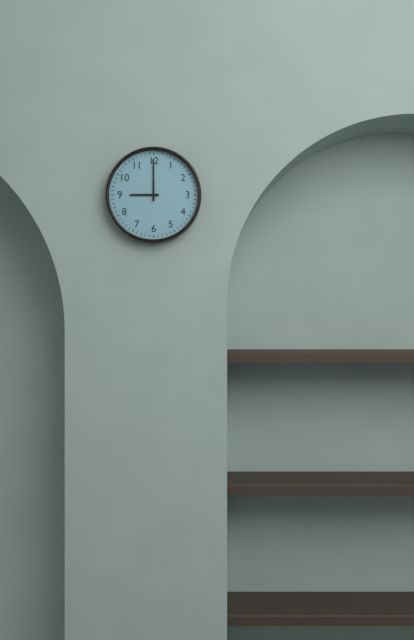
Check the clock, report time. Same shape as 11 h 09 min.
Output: 9 h 00 min
